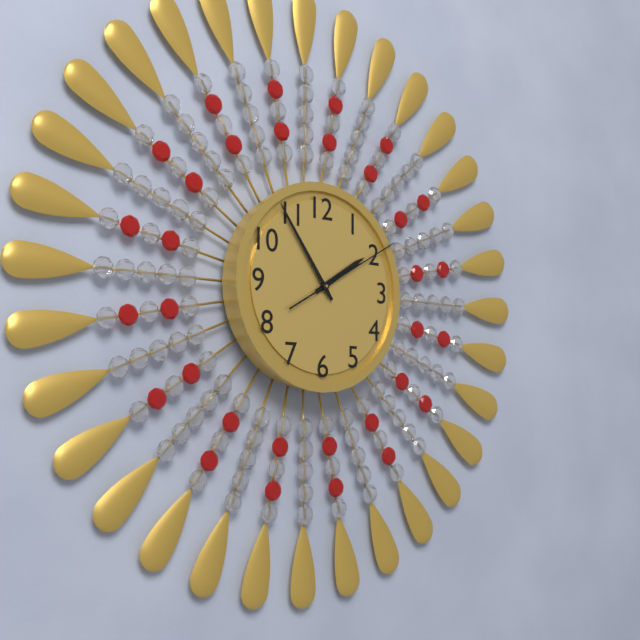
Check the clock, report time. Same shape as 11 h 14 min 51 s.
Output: 1 h 54 min 10 s
